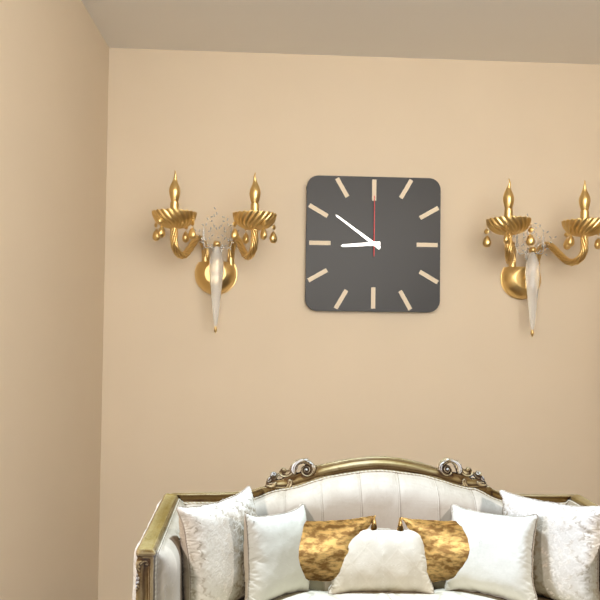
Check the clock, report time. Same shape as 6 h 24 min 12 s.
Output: 8 h 51 min 00 s
